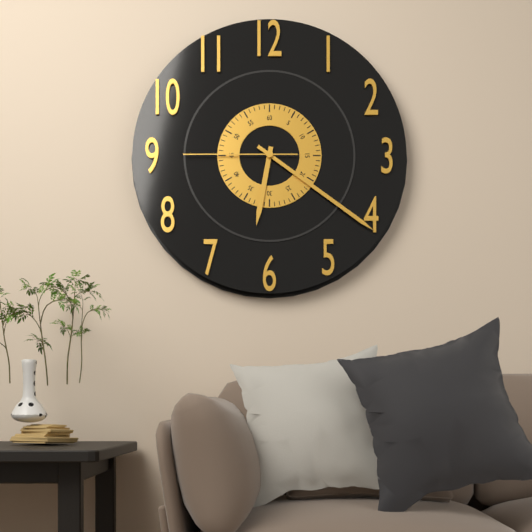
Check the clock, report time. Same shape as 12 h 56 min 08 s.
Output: 6 h 21 min 45 s
